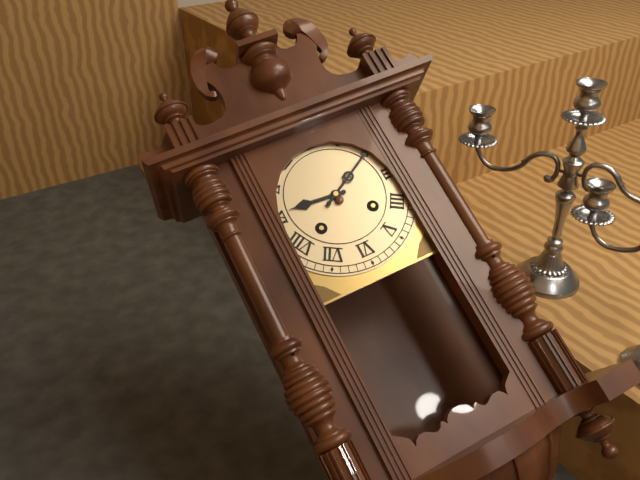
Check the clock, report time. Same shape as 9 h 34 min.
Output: 9 h 10 min
